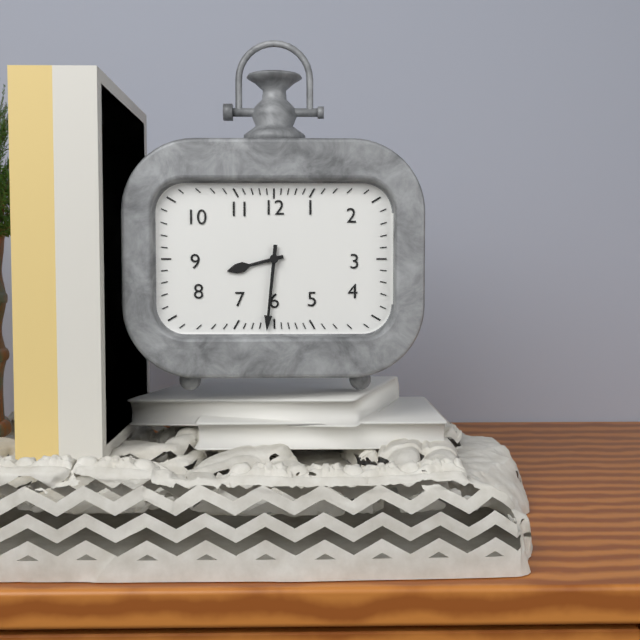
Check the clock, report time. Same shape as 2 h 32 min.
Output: 8 h 31 min
